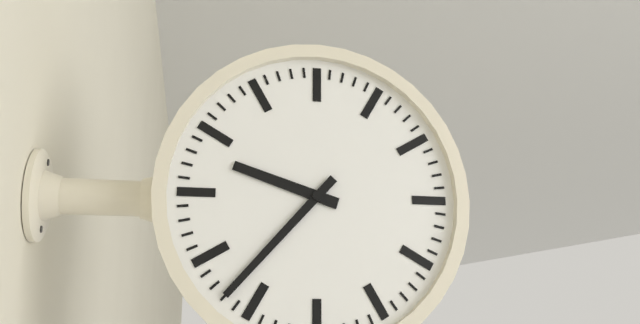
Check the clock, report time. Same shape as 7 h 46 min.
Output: 9 h 37 min
